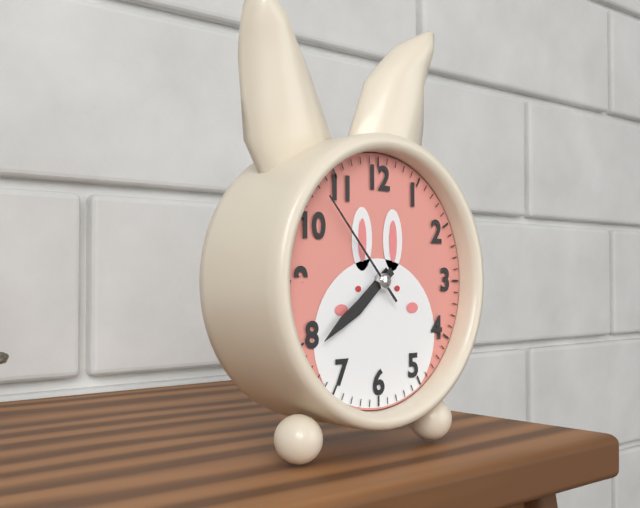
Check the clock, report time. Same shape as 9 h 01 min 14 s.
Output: 7 h 39 min 53 s
